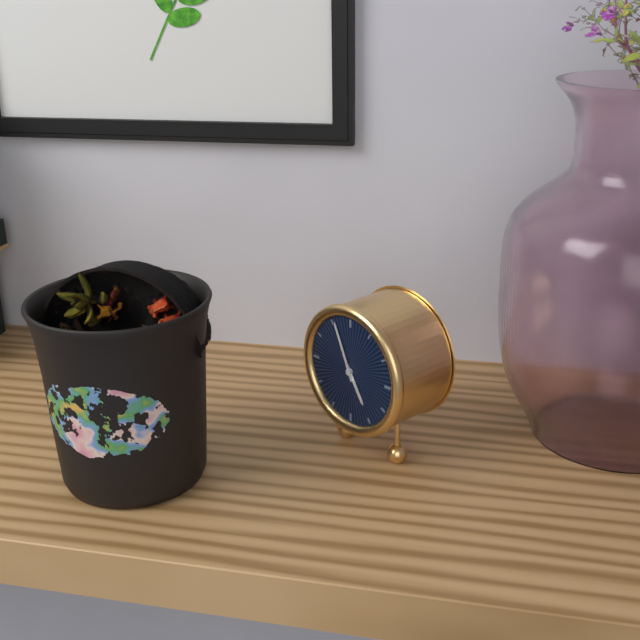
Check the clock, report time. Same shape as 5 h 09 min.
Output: 4 h 56 min
